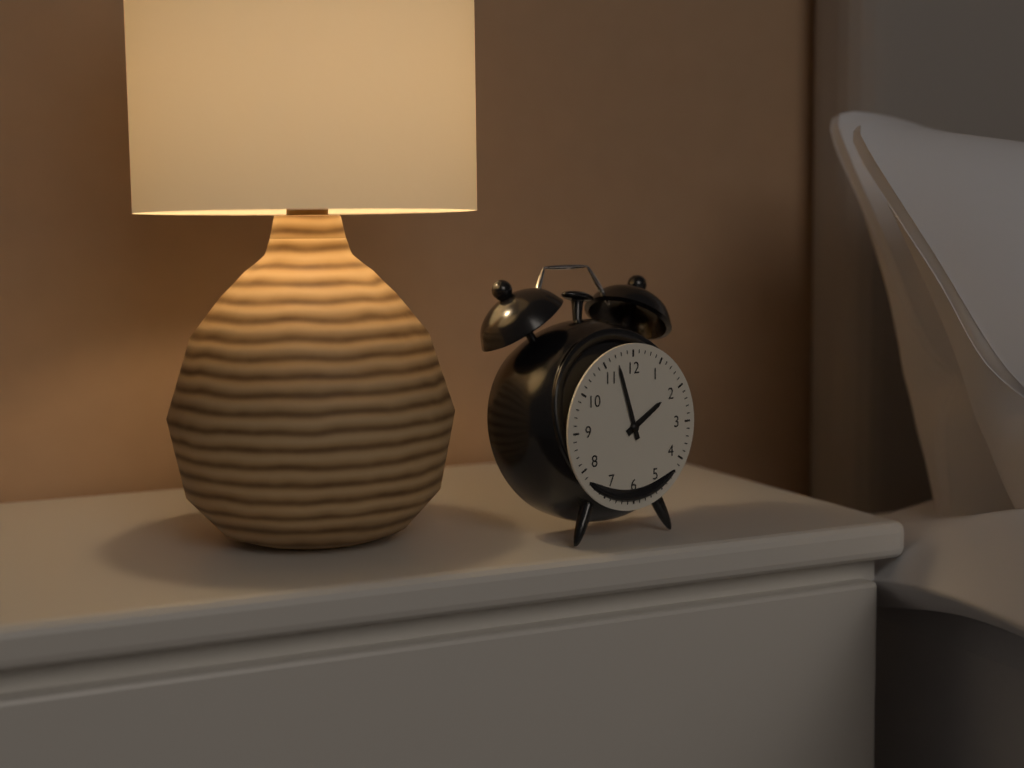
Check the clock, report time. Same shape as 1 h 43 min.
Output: 1 h 57 min
